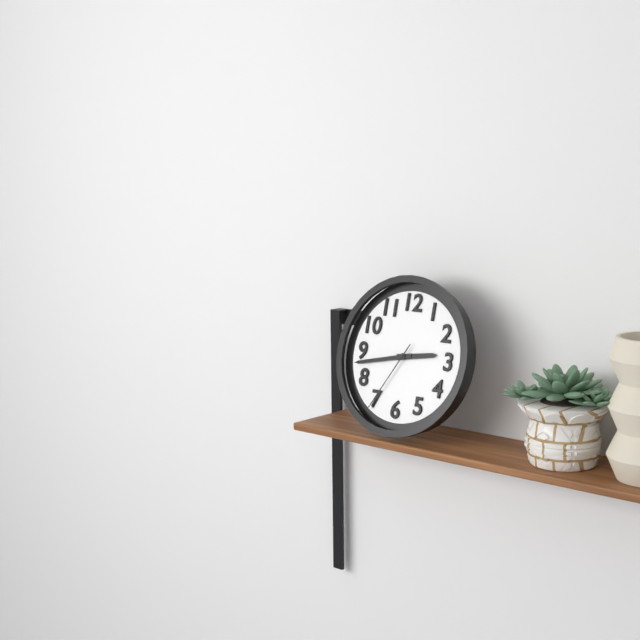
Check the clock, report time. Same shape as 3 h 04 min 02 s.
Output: 2 h 43 min 35 s
